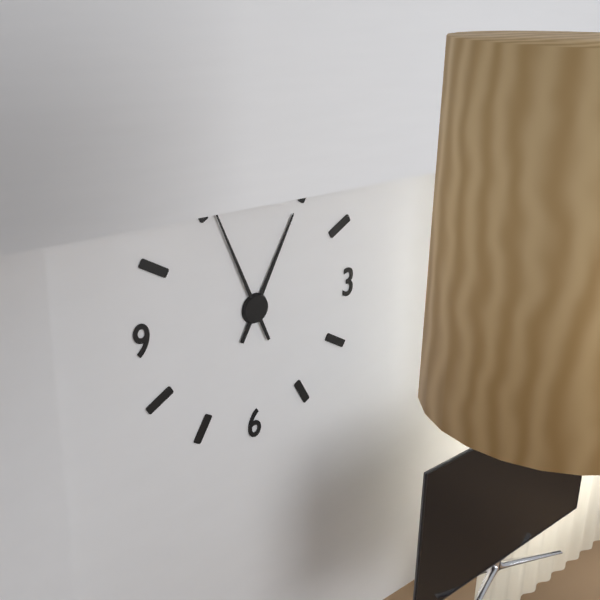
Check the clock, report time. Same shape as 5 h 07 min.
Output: 12 h 56 min
